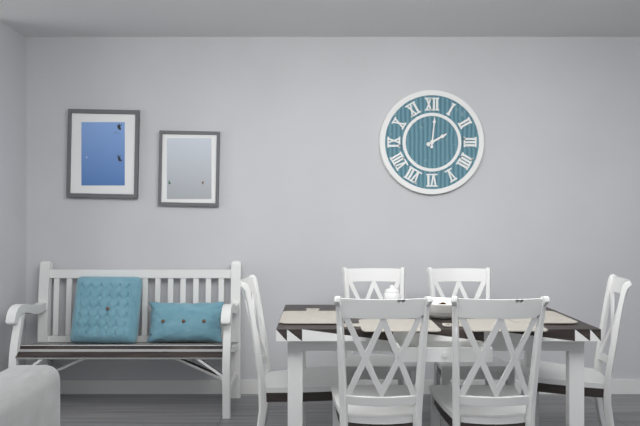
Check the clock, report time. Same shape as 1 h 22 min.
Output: 2 h 01 min
